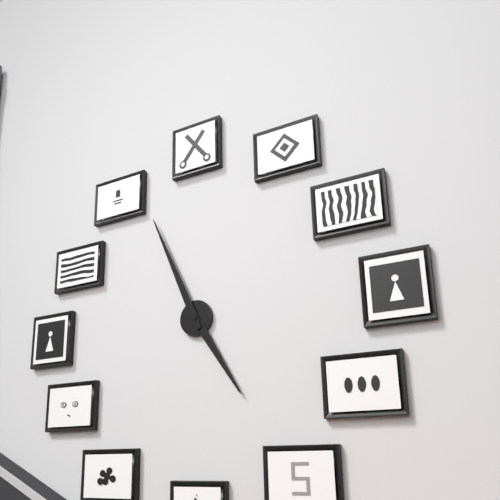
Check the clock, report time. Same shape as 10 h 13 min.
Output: 4 h 56 min
